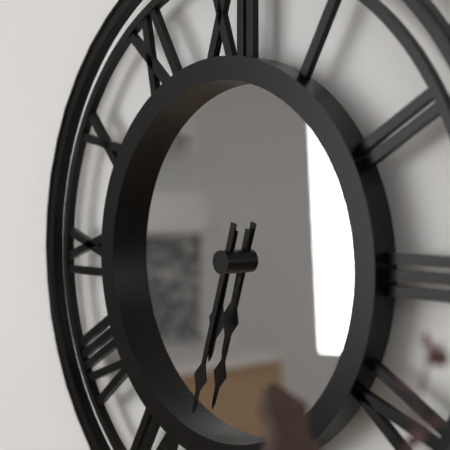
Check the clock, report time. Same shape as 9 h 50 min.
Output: 6 h 33 min
